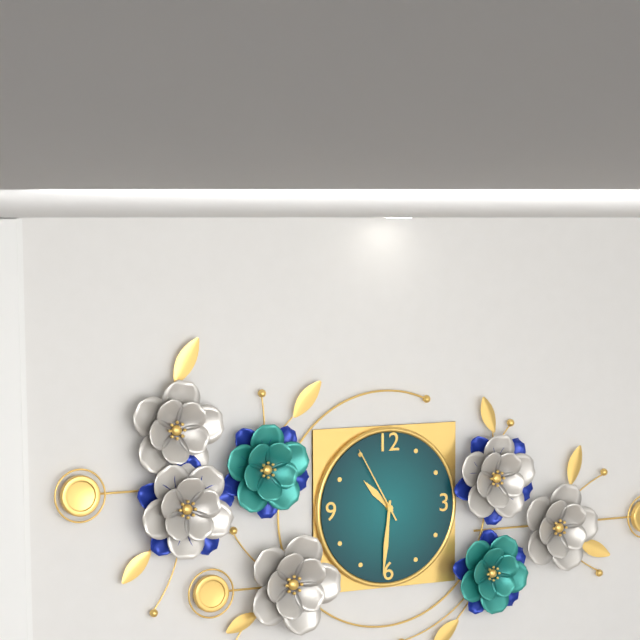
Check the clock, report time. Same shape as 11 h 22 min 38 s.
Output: 10 h 31 min 55 s
